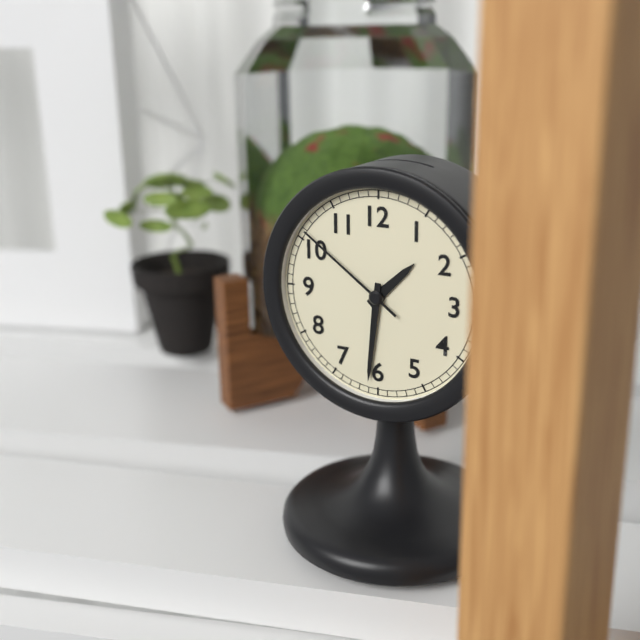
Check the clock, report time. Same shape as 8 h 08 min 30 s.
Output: 1 h 31 min 51 s
